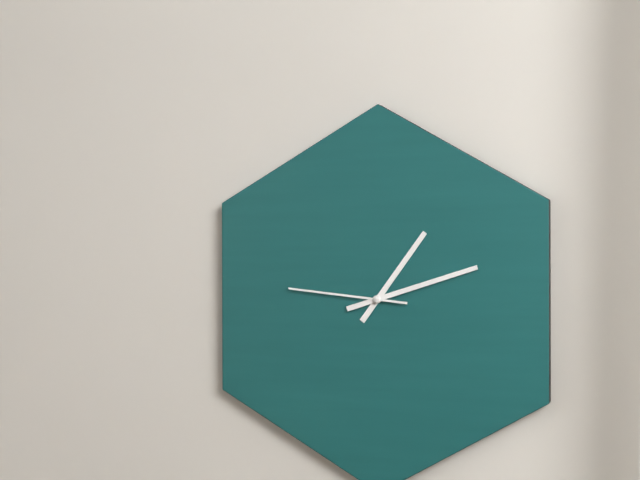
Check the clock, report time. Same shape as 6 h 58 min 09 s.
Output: 1 h 12 min 46 s
